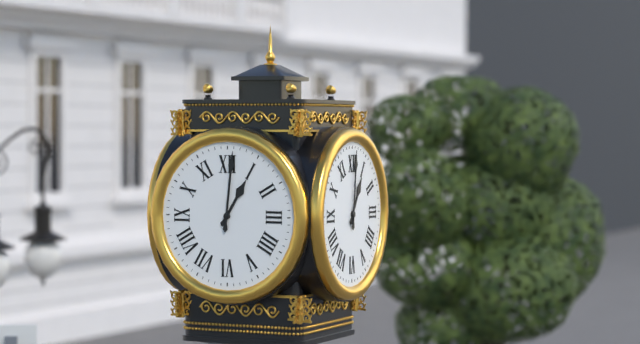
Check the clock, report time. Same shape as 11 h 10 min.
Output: 1 h 01 min
